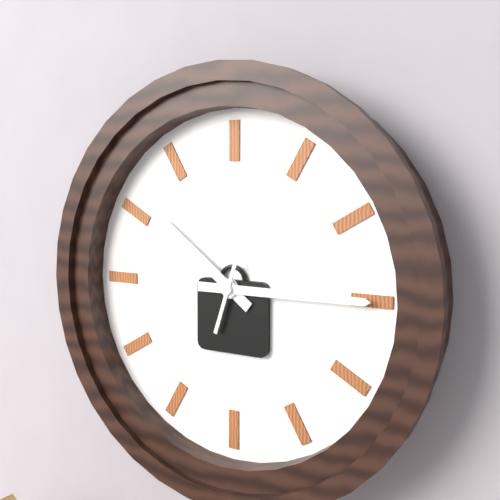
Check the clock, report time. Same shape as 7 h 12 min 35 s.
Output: 10 h 15 min 03 s
